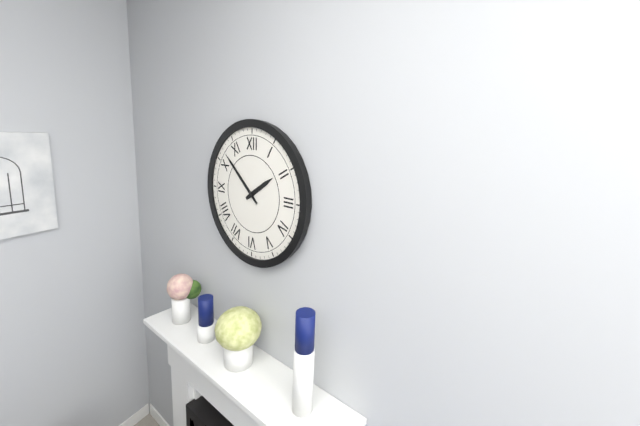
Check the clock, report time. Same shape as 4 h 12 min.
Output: 1 h 52 min
